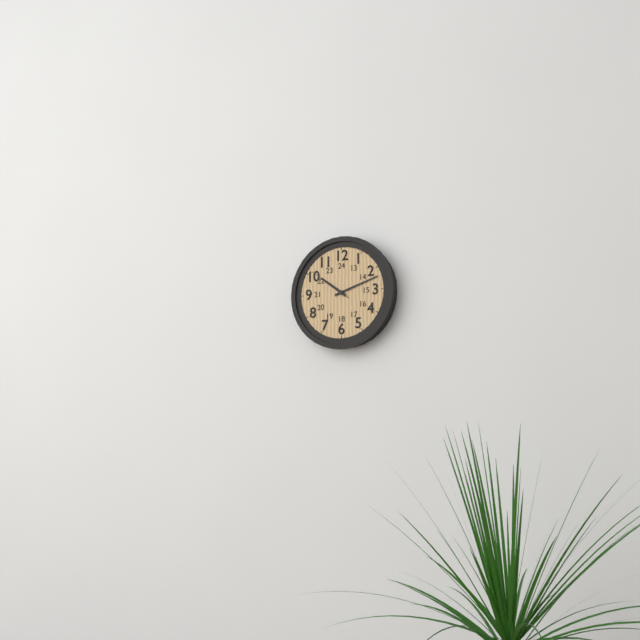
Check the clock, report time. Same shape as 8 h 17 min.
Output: 10 h 12 min
